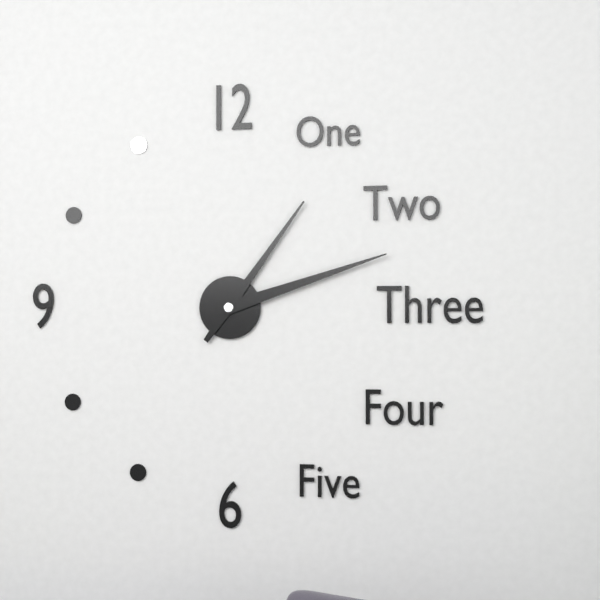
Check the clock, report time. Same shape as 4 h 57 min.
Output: 1 h 12 min
